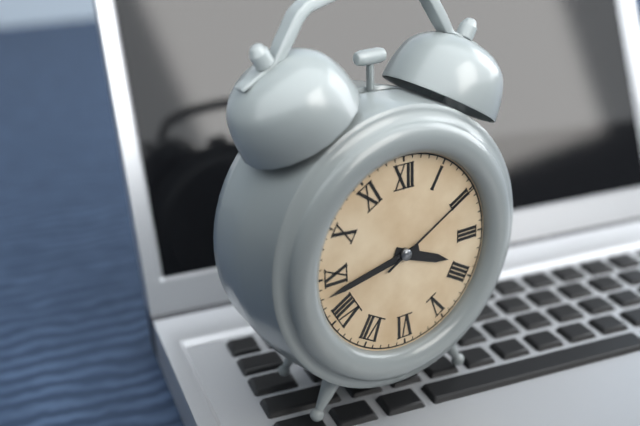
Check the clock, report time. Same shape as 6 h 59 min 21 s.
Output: 3 h 43 min 10 s
